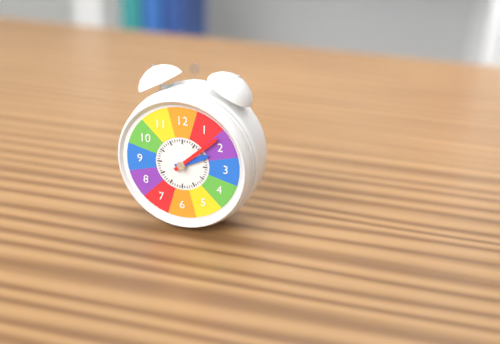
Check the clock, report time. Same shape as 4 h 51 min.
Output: 2 h 08 min
